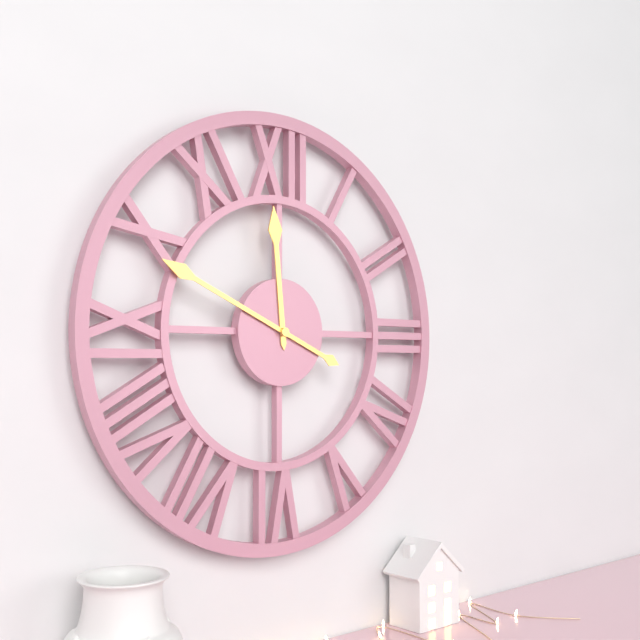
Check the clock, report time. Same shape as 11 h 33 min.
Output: 11 h 49 min
